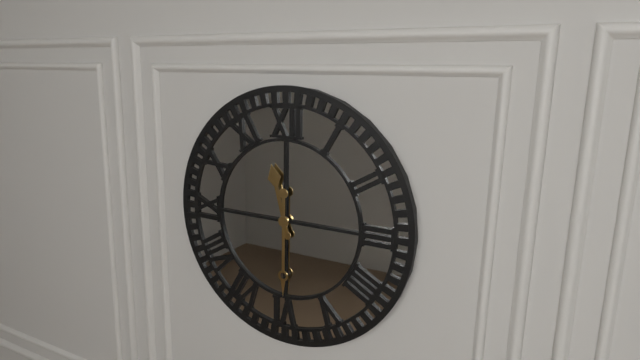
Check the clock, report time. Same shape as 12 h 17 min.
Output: 11 h 30 min
